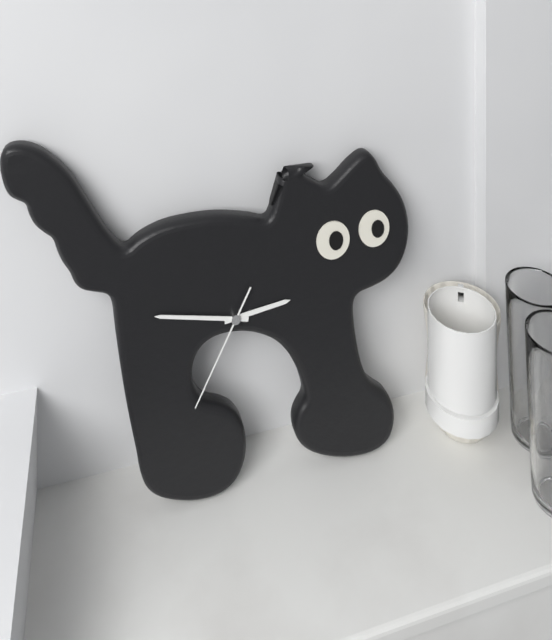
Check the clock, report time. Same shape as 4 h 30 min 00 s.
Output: 2 h 47 min 35 s
